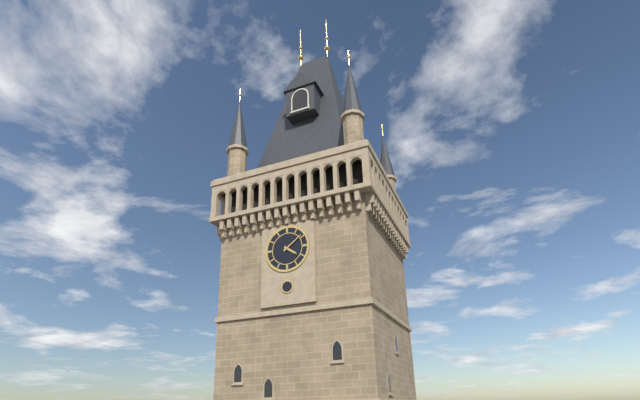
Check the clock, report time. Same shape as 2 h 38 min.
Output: 4 h 09 min
